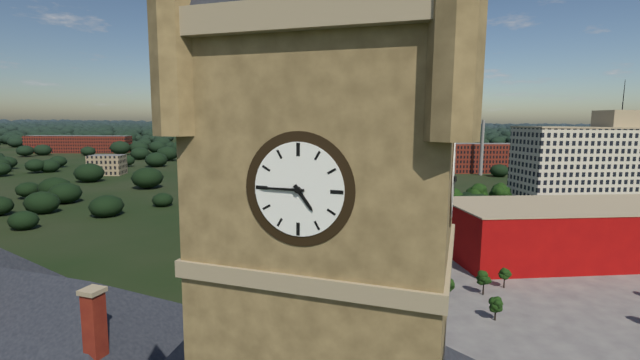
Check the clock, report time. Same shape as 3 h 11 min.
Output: 4 h 45 min
